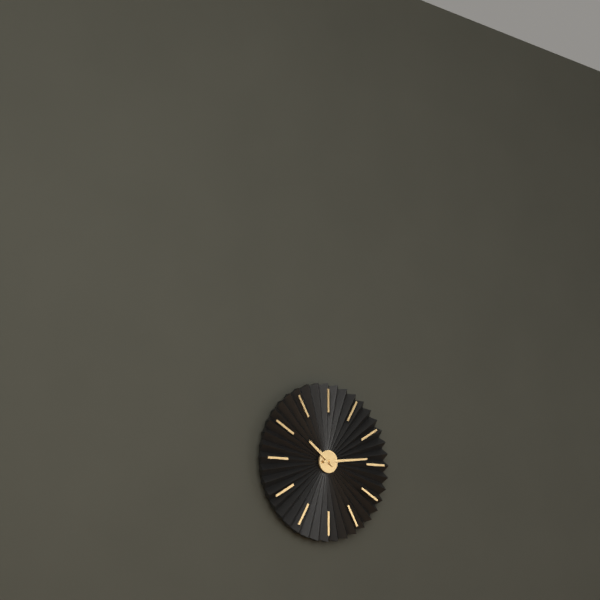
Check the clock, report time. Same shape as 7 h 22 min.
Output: 10 h 14 min
